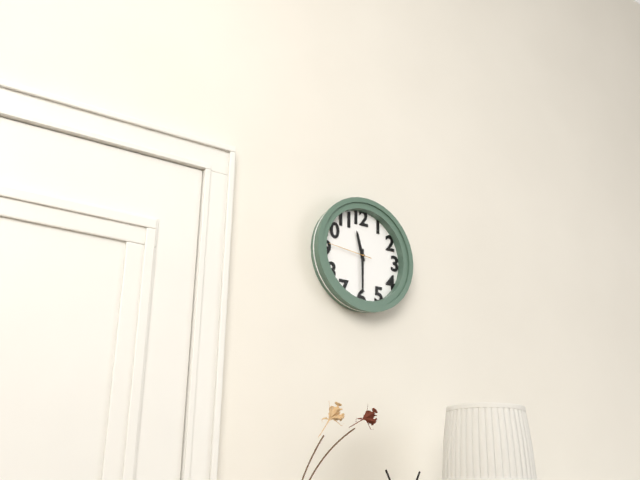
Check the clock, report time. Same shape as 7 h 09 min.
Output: 11 h 30 min
